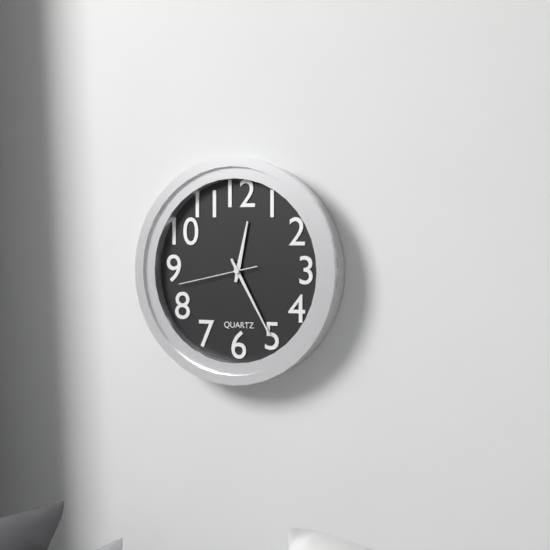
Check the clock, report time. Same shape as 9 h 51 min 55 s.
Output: 12 h 25 min 43 s
